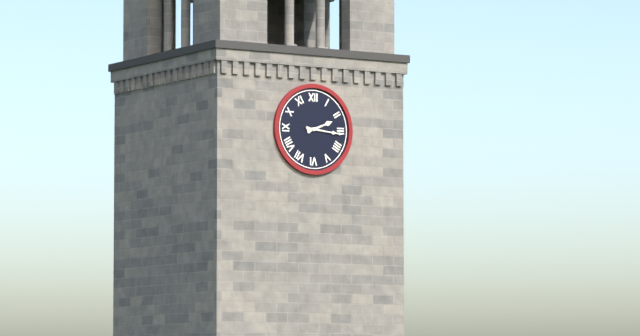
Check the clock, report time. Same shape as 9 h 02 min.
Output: 2 h 16 min
